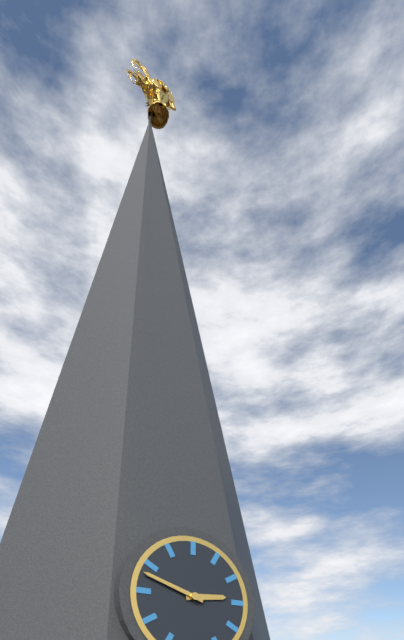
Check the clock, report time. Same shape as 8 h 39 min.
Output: 2 h 48 min
